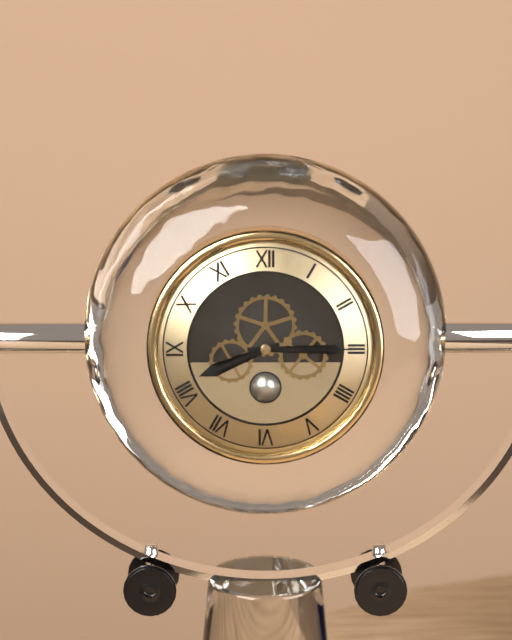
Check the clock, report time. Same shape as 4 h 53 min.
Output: 8 h 15 min
